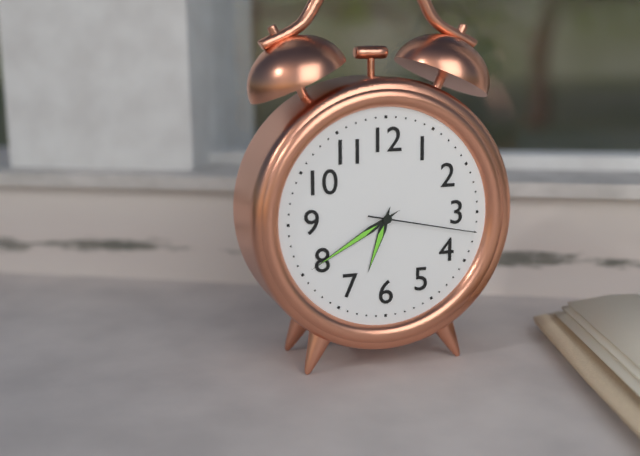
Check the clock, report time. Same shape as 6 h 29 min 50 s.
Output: 6 h 40 min 17 s
